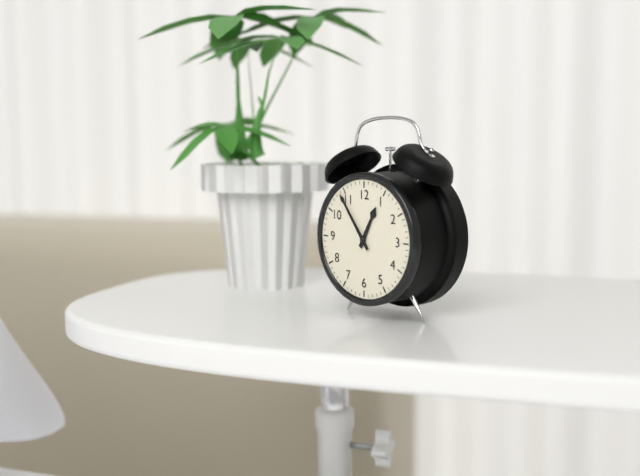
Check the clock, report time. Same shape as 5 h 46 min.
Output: 12 h 54 min
